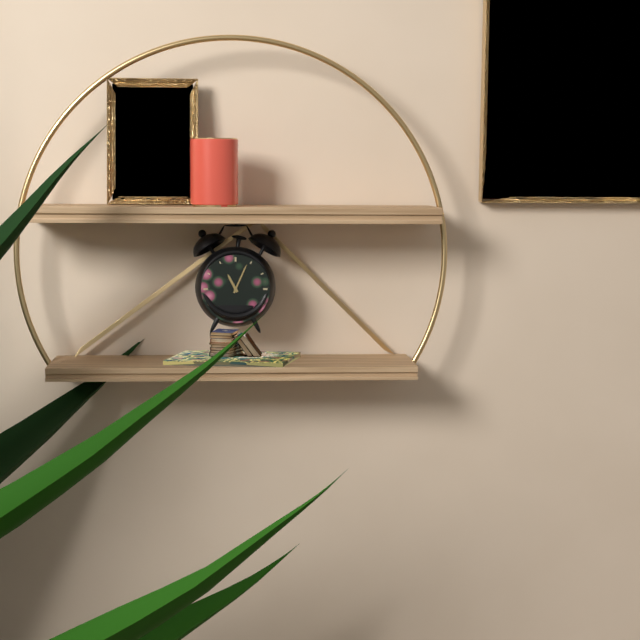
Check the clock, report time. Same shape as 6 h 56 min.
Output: 11 h 04 min
